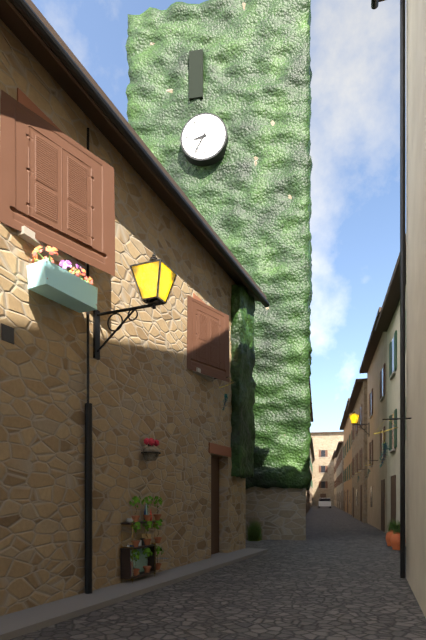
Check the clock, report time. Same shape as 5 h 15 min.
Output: 8 h 35 min
